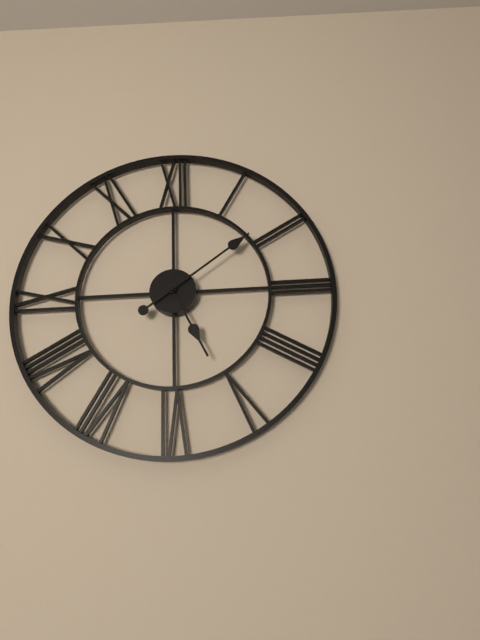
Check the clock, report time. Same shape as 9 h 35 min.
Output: 5 h 09 min
